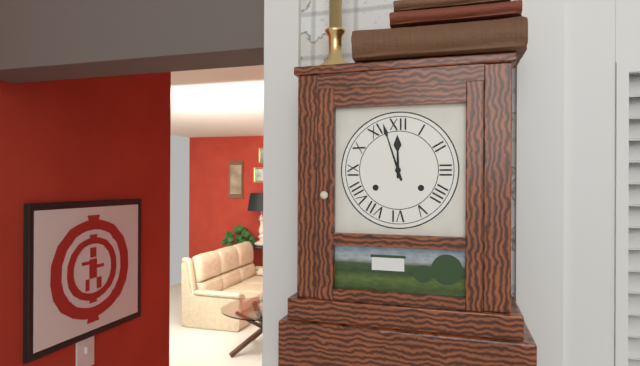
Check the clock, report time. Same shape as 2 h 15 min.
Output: 11 h 57 min
